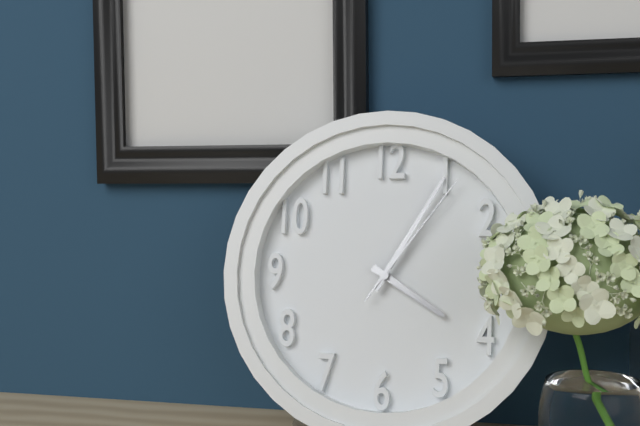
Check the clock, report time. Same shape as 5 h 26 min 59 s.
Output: 4 h 05 min 06 s
